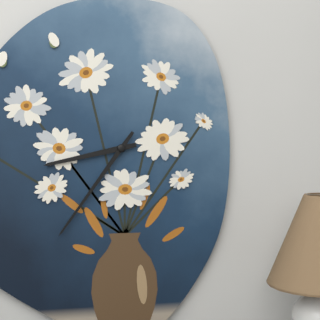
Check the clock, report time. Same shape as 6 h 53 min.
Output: 8 h 36 min
